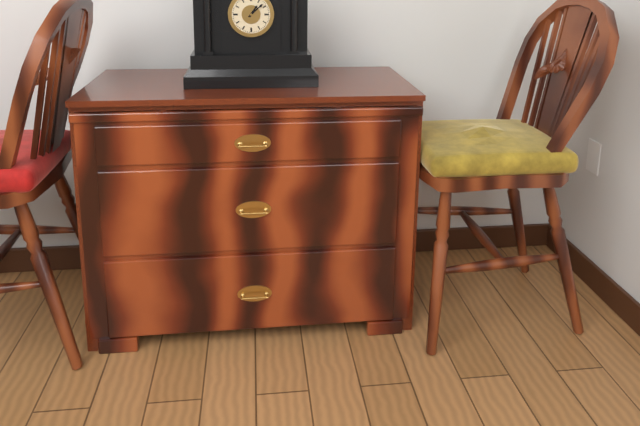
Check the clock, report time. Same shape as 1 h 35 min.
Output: 1 h 08 min
